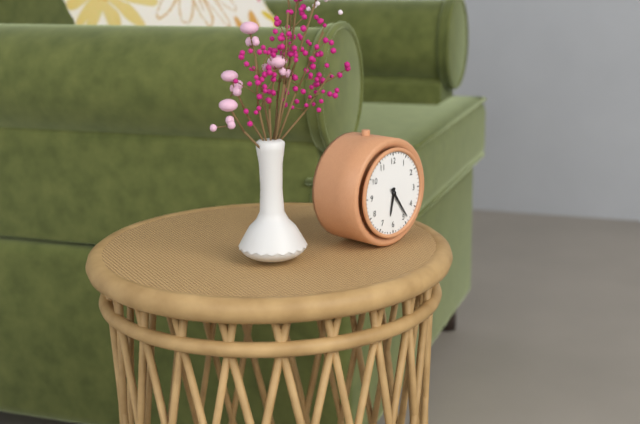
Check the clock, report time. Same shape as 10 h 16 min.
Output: 6 h 24 min
